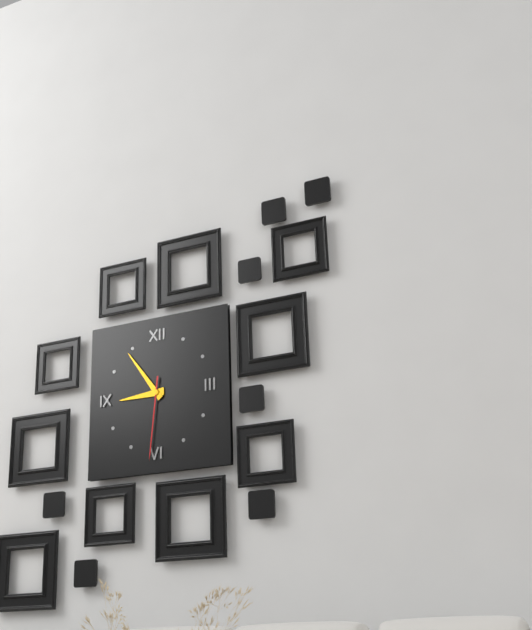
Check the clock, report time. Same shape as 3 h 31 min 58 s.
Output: 8 h 54 min 31 s
